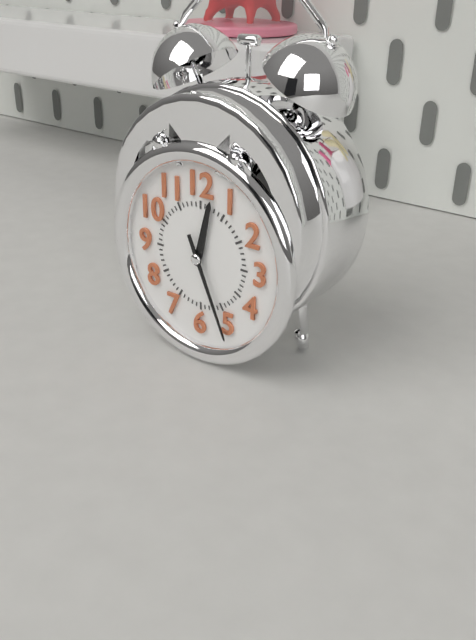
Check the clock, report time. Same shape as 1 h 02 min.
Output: 12 h 26 min
